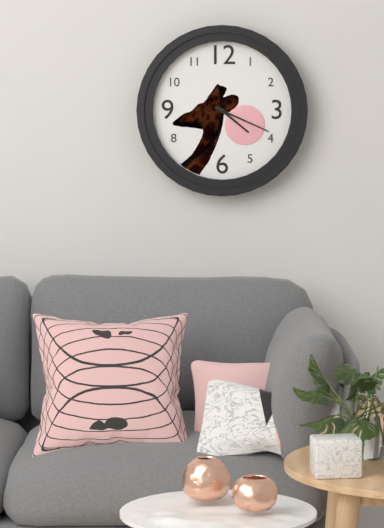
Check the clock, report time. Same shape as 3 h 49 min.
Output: 4 h 19 min
